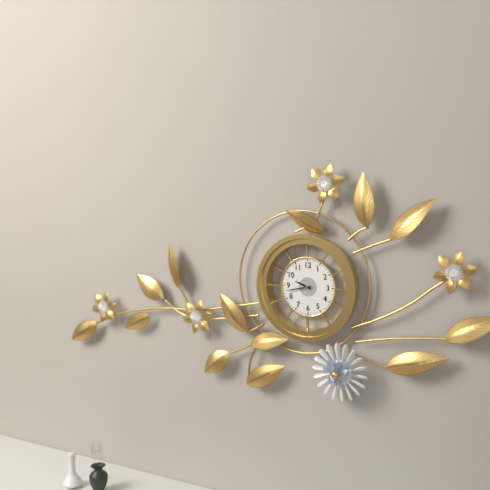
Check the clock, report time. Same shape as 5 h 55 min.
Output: 9 h 43 min
